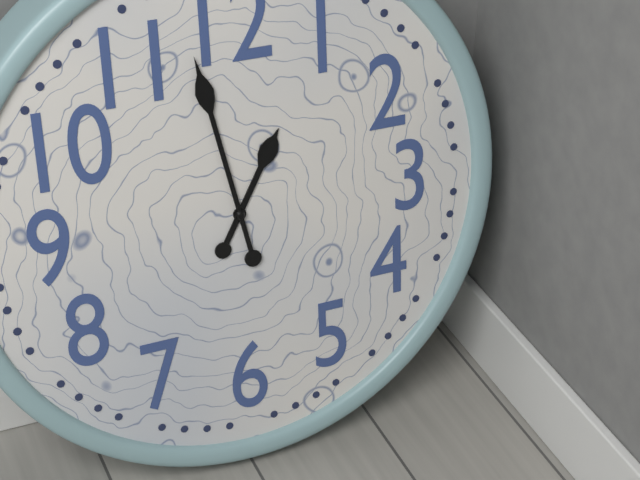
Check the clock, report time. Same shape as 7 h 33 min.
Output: 12 h 58 min
